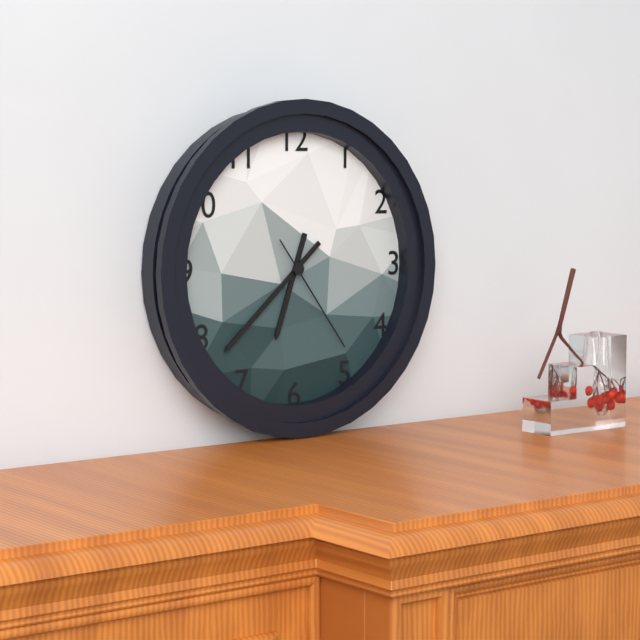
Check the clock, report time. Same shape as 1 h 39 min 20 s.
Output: 6 h 38 min 24 s
